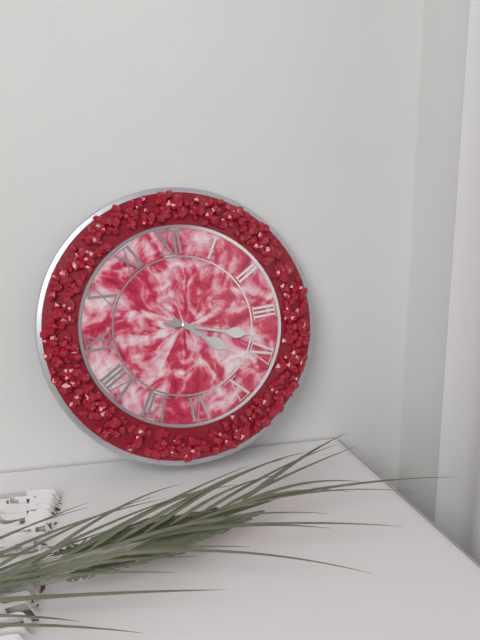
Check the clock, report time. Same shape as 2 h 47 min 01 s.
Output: 4 h 18 min 18 s
